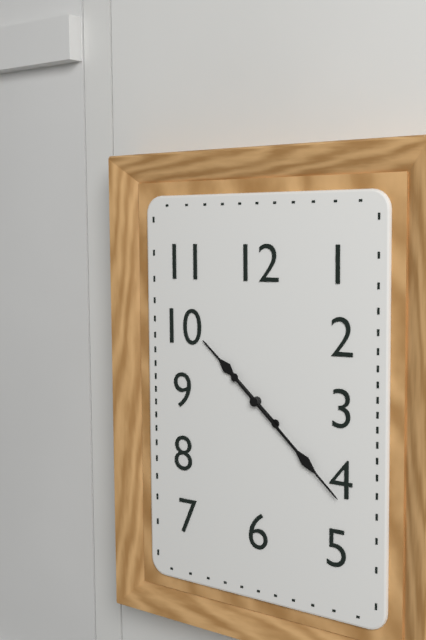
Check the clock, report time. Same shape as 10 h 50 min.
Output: 10 h 22 min
